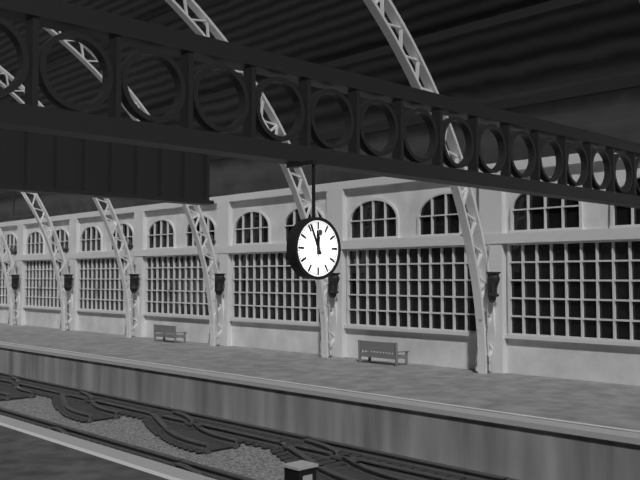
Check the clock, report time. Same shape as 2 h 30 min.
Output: 11 h 56 min
